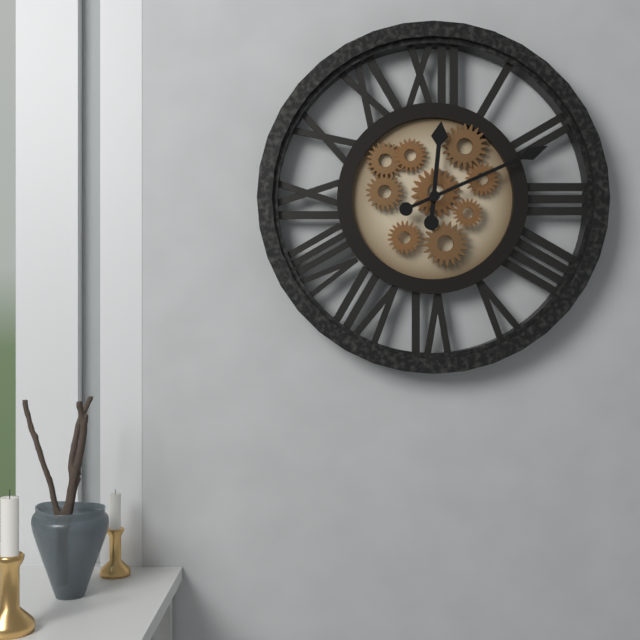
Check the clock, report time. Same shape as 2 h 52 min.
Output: 12 h 11 min
